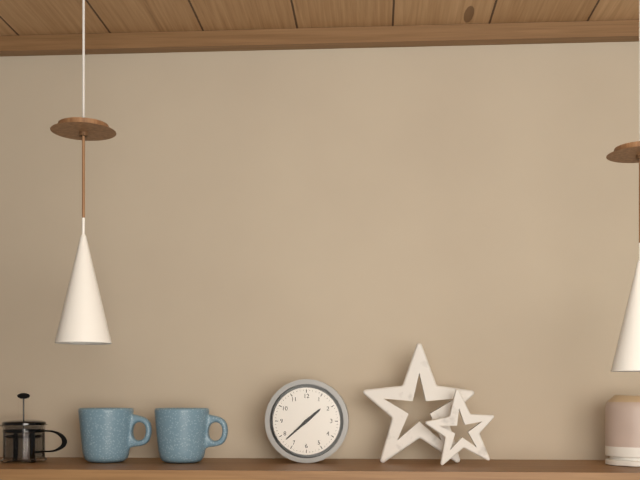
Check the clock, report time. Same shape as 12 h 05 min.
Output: 1 h 38 min
